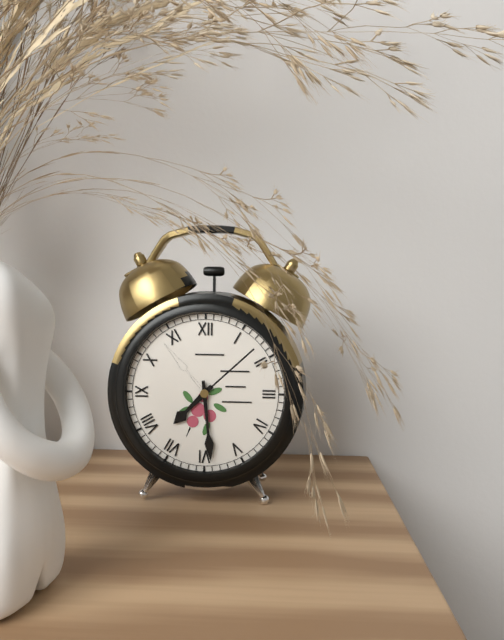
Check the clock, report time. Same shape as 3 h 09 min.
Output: 7 h 29 min
